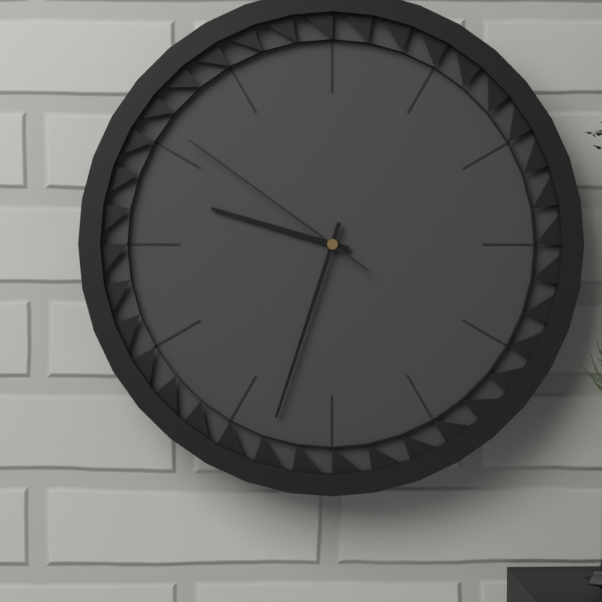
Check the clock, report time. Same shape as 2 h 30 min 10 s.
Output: 9 h 33 min 51 s
